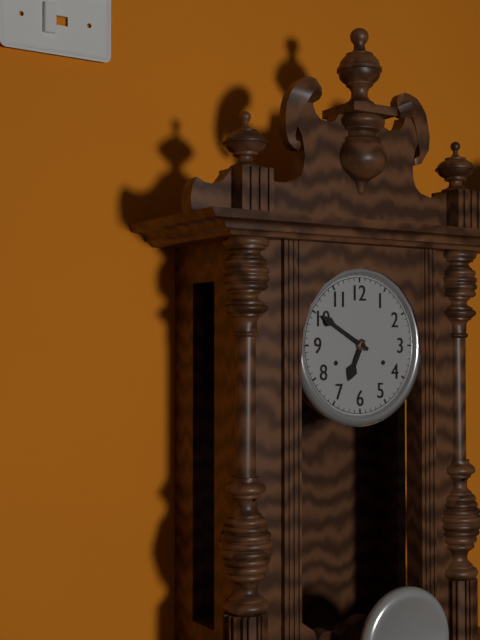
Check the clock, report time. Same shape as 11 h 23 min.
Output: 6 h 50 min
